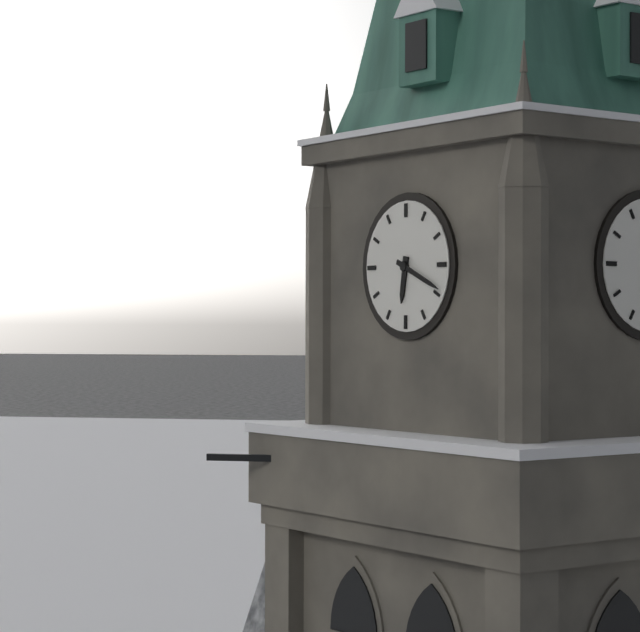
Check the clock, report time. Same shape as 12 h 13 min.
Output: 6 h 19 min
